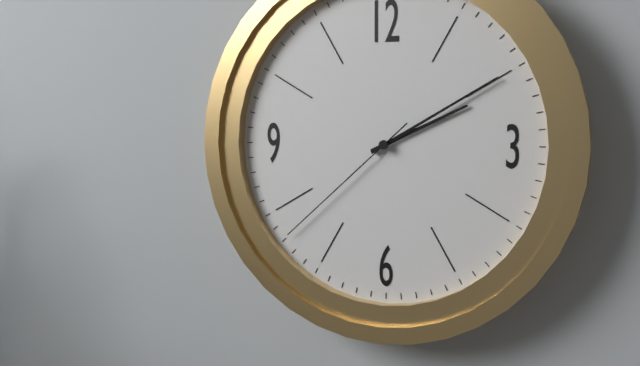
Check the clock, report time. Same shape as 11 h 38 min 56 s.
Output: 2 h 10 min 38 s
